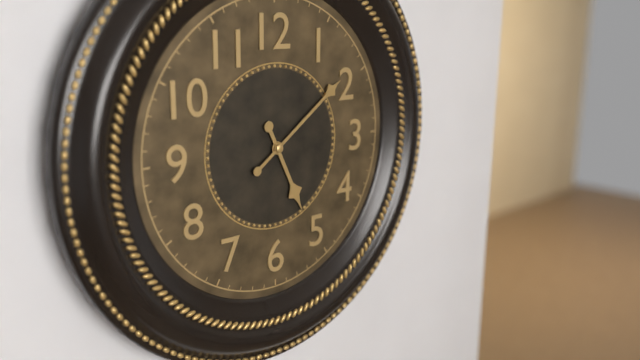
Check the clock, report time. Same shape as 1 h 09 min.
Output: 5 h 09 min
